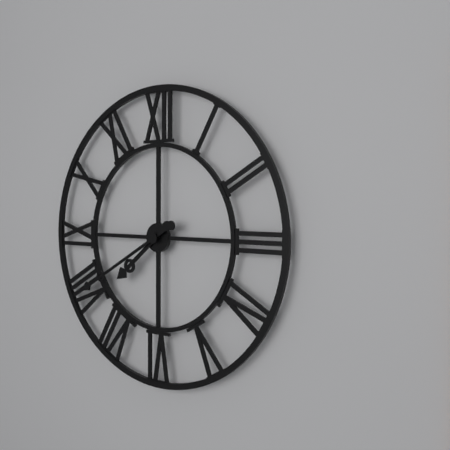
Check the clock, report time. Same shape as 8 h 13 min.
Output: 7 h 40 min
